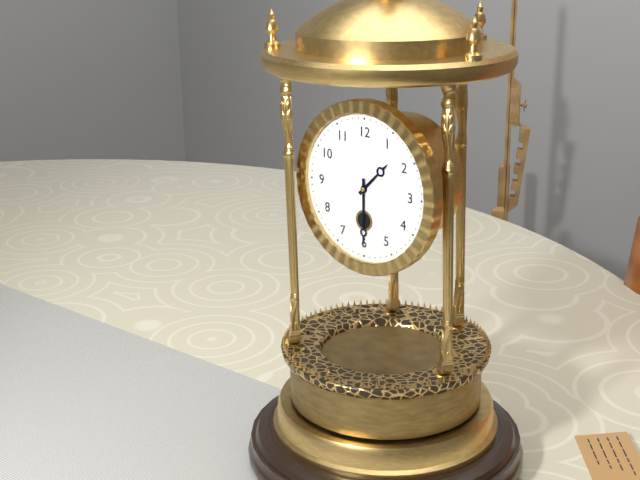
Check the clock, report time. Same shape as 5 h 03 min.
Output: 1 h 30 min
